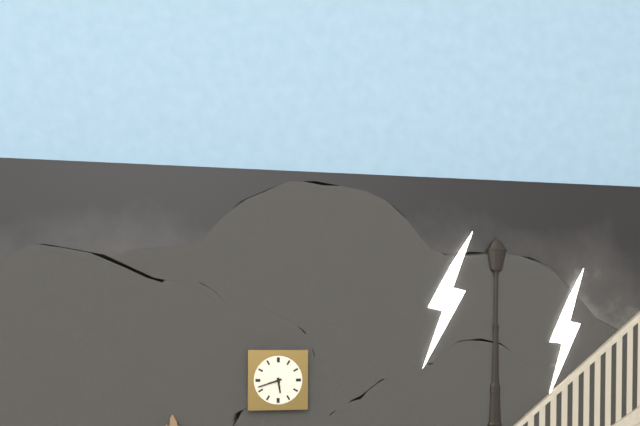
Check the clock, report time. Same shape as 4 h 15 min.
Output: 5 h 42 min
